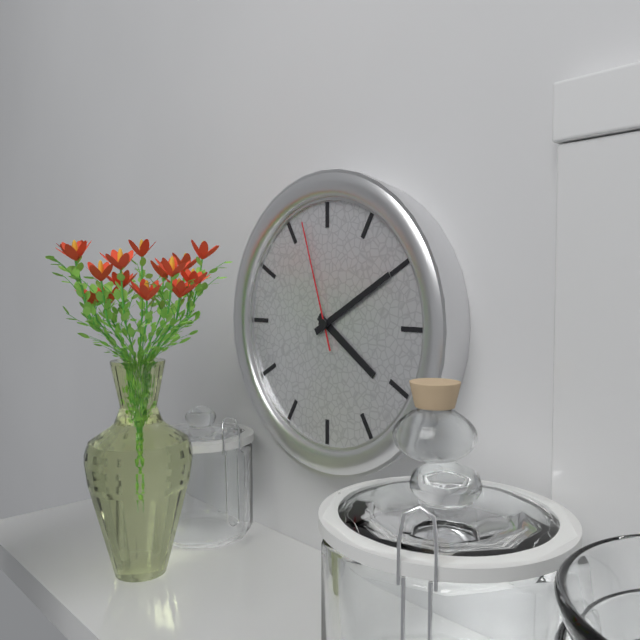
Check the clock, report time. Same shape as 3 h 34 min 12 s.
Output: 4 h 10 min 57 s
